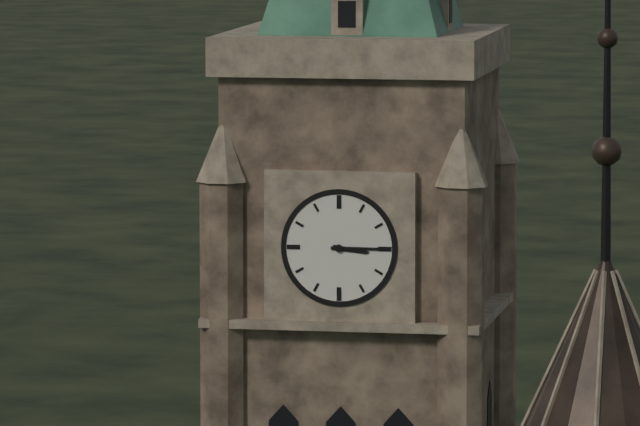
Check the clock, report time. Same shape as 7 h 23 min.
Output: 3 h 15 min
